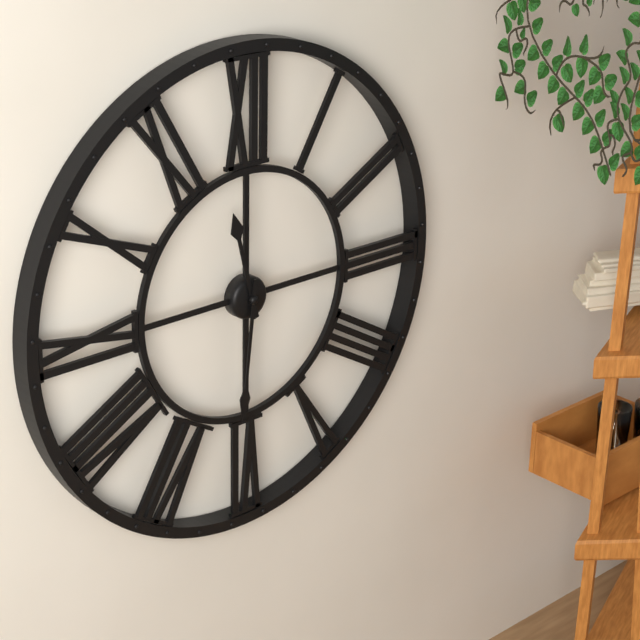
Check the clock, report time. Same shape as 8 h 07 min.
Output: 11 h 31 min
